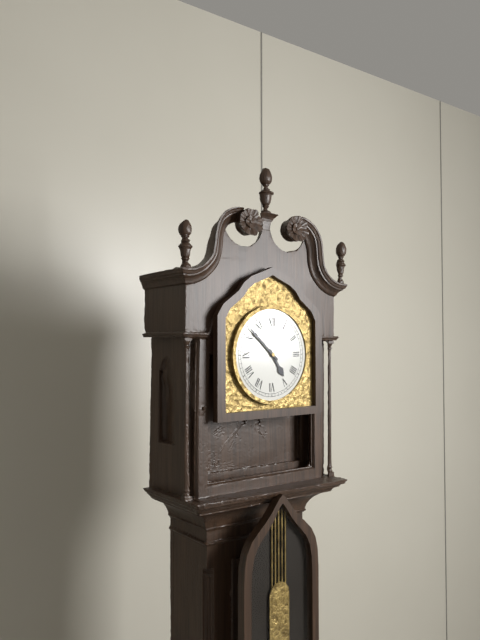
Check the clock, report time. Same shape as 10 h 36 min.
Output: 4 h 52 min
